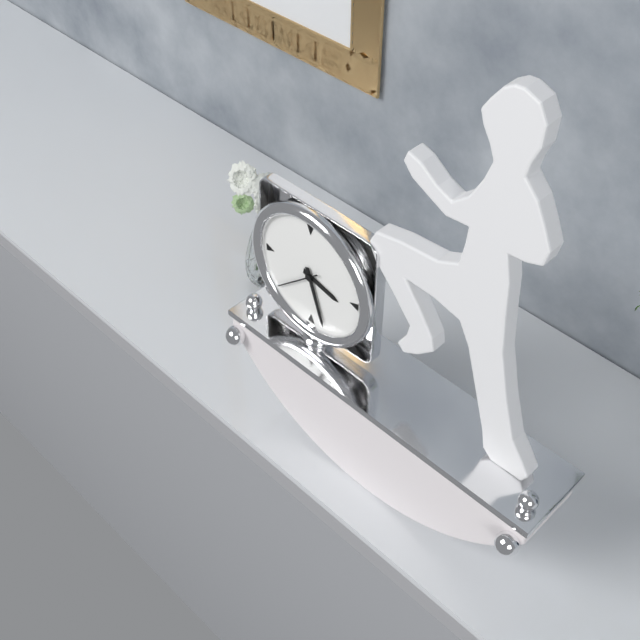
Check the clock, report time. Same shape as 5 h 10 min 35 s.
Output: 3 h 27 min 38 s
